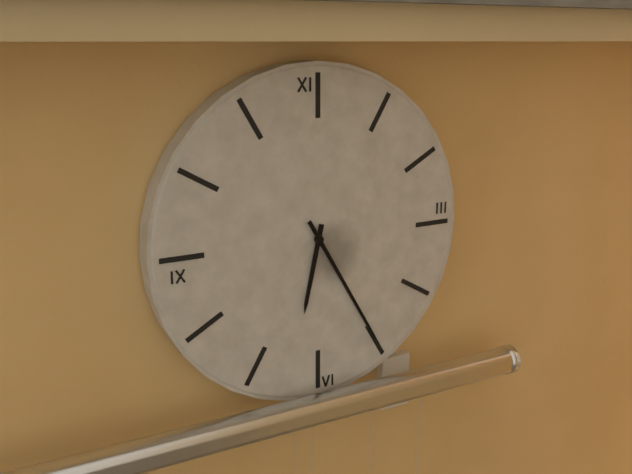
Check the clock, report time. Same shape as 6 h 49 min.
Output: 6 h 25 min
